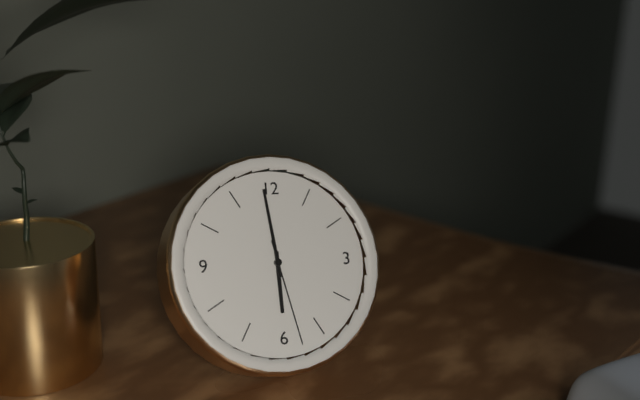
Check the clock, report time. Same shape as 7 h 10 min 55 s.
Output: 5 h 59 min 28 s
